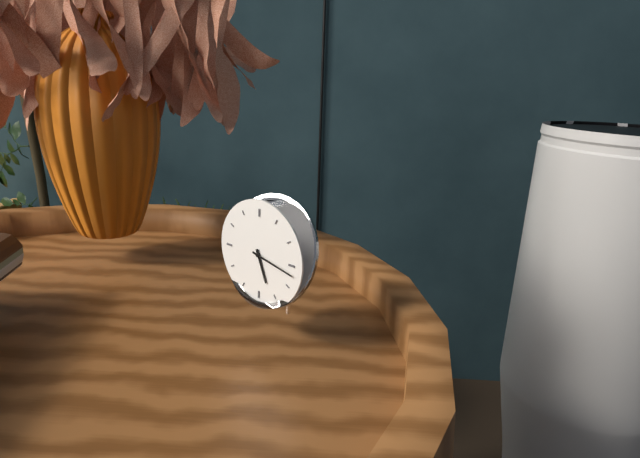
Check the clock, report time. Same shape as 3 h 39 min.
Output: 5 h 17 min
